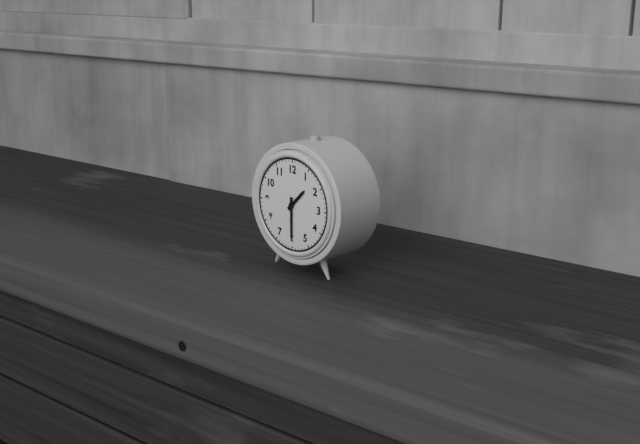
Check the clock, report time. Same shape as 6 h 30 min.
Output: 1 h 30 min
